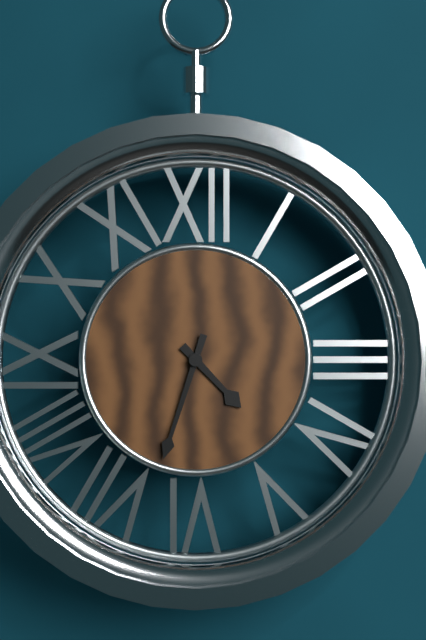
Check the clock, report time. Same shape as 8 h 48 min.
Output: 4 h 33 min
